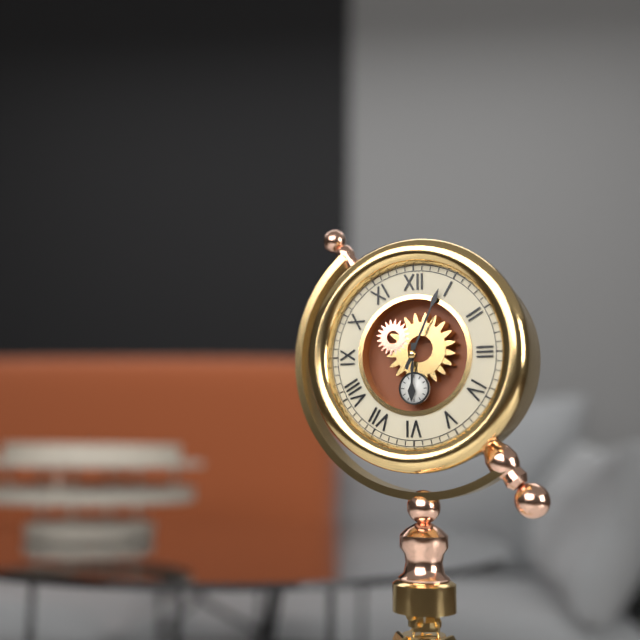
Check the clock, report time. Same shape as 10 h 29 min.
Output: 6 h 04 min
